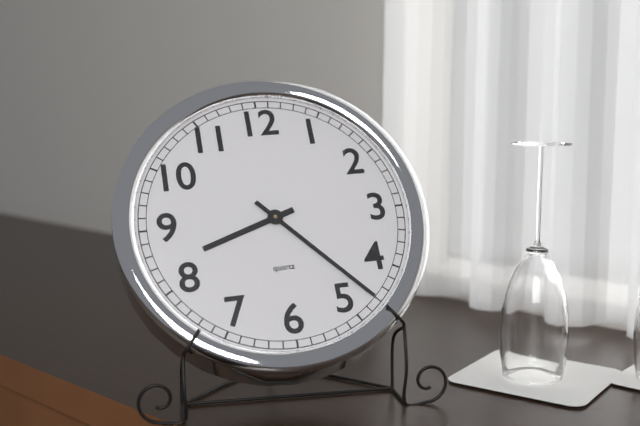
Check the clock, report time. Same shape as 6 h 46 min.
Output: 8 h 23 min
